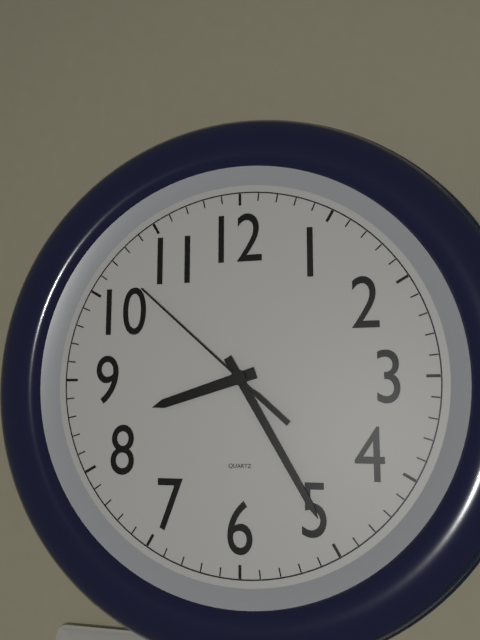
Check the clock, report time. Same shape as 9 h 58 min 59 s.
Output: 8 h 25 min 52 s
